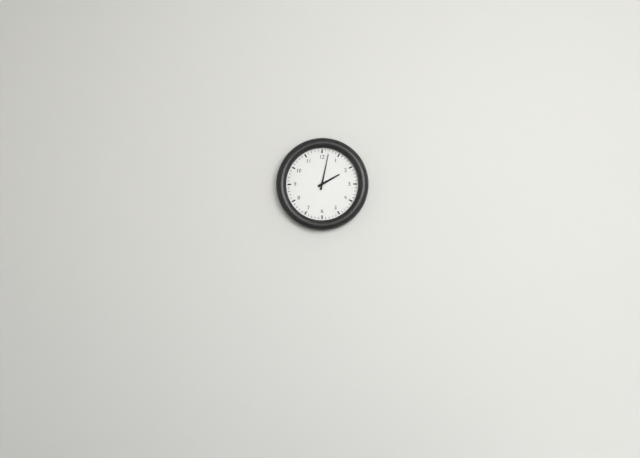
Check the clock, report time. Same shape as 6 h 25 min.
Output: 2 h 02 min
